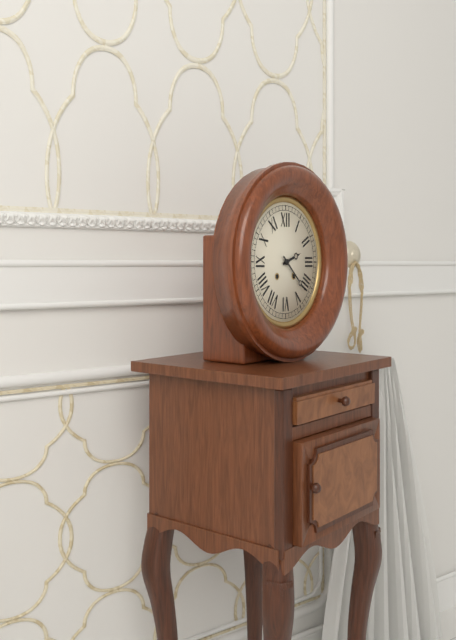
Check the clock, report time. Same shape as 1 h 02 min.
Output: 2 h 22 min
